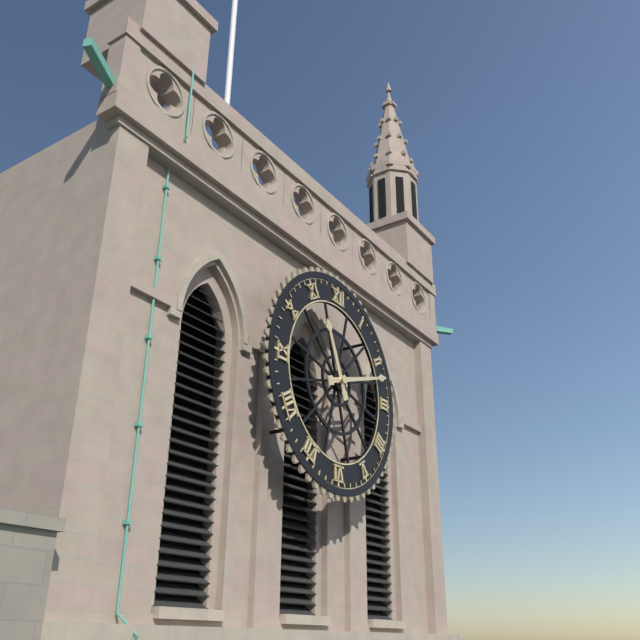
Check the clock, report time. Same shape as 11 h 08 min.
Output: 11 h 12 min
